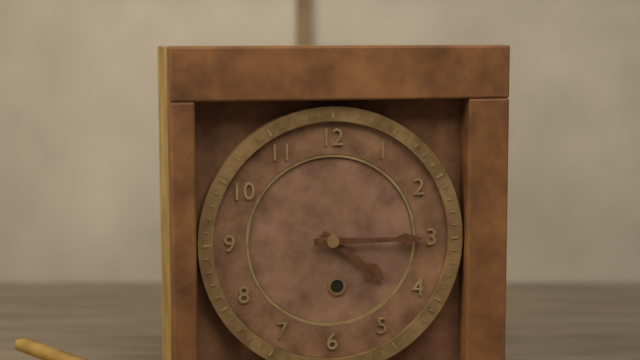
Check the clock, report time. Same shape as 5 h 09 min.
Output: 4 h 15 min
